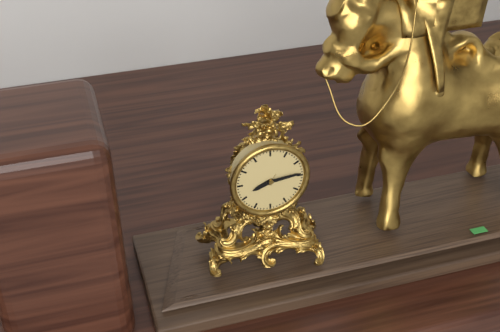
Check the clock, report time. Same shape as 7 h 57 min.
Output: 8 h 14 min
